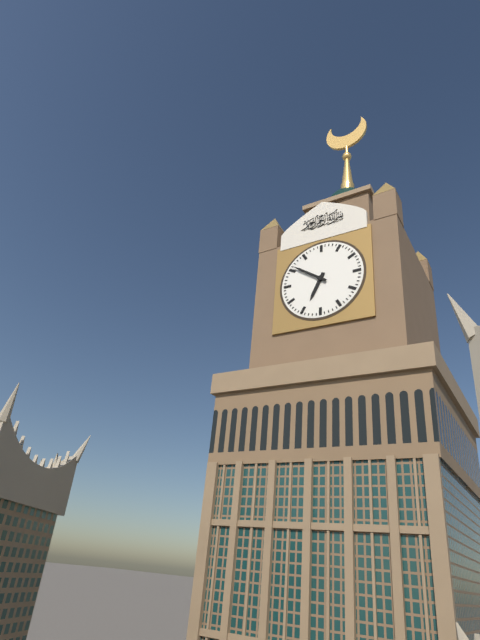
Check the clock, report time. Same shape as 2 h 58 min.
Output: 6 h 51 min
